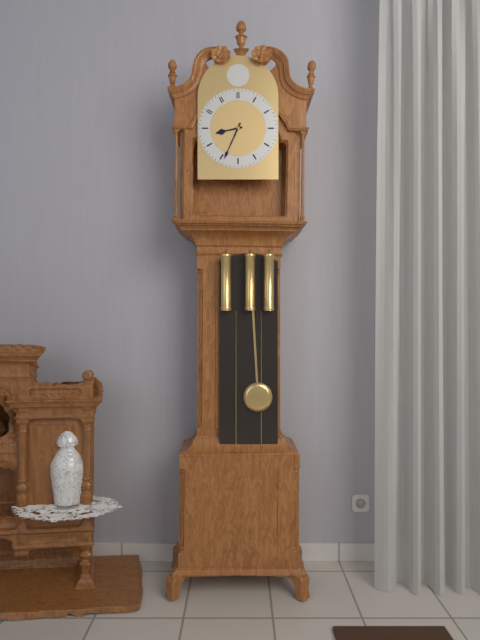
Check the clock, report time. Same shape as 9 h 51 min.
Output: 8 h 34 min
